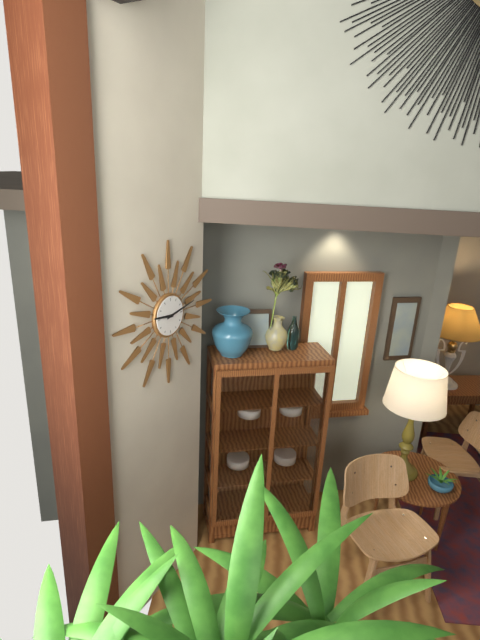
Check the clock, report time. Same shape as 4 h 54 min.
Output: 9 h 13 min
